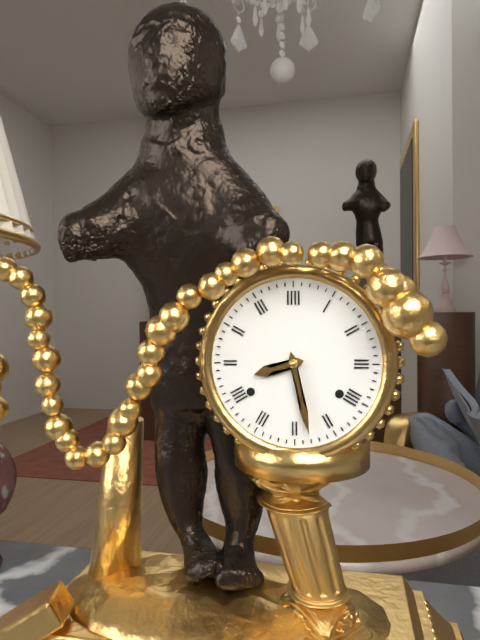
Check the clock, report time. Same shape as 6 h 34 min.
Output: 8 h 28 min
